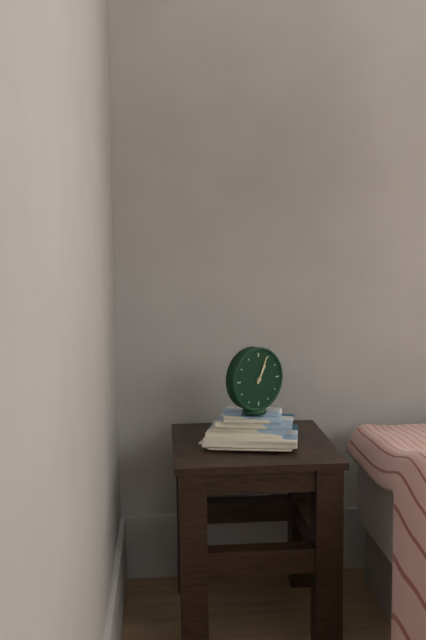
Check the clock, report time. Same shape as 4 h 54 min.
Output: 1 h 04 min
